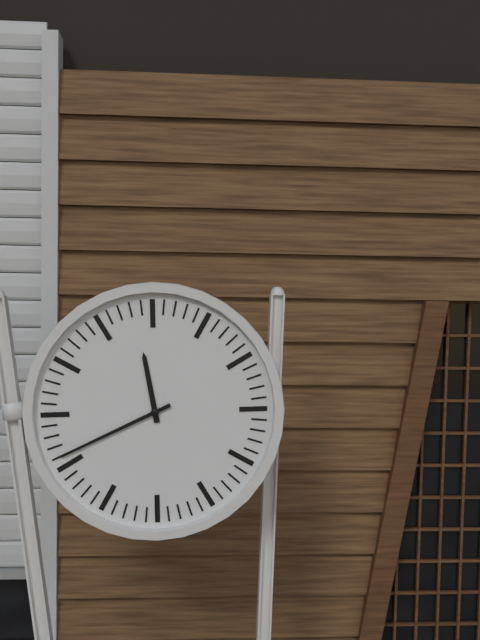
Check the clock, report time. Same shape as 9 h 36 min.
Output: 11 h 41 min
